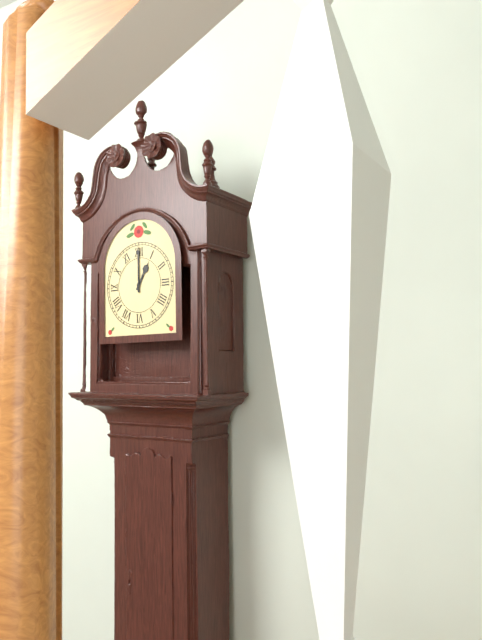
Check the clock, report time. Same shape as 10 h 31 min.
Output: 1 h 00 min
